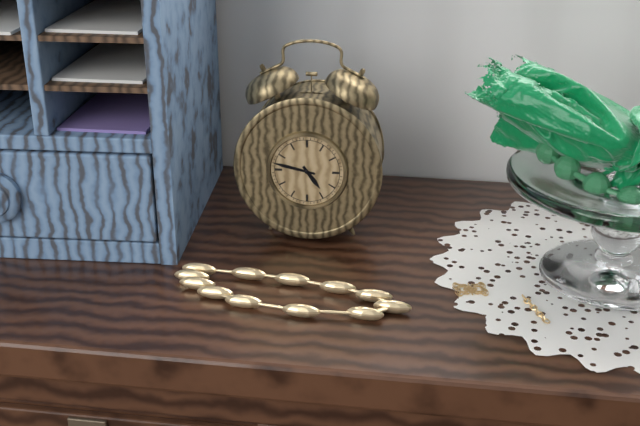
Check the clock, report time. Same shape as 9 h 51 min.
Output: 4 h 47 min
